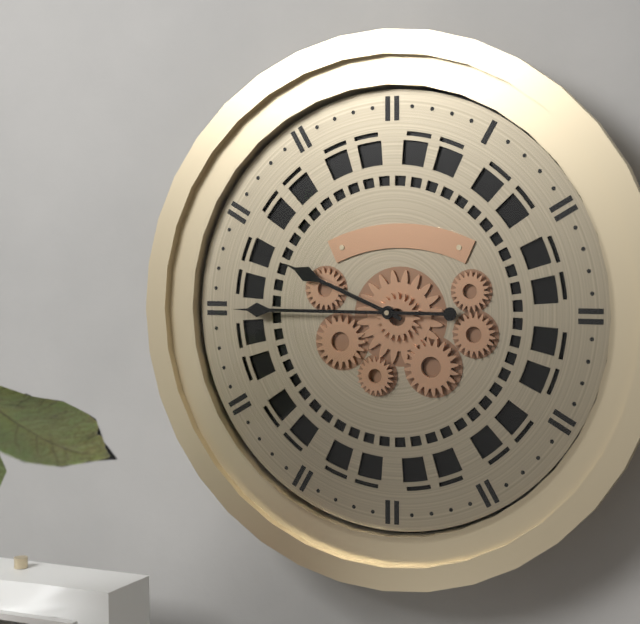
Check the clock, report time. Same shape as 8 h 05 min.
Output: 9 h 45 min
